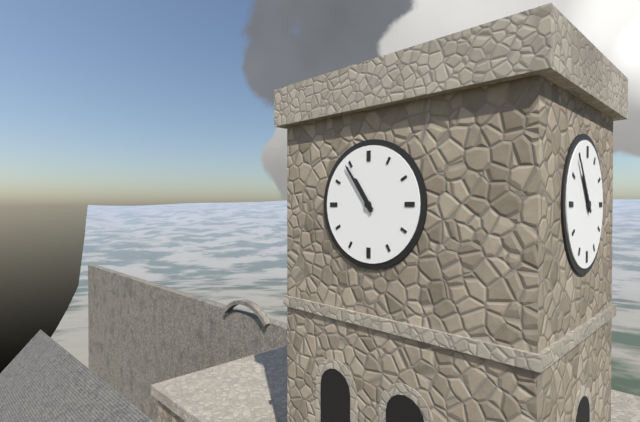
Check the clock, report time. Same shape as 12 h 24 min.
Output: 10 h 54 min
